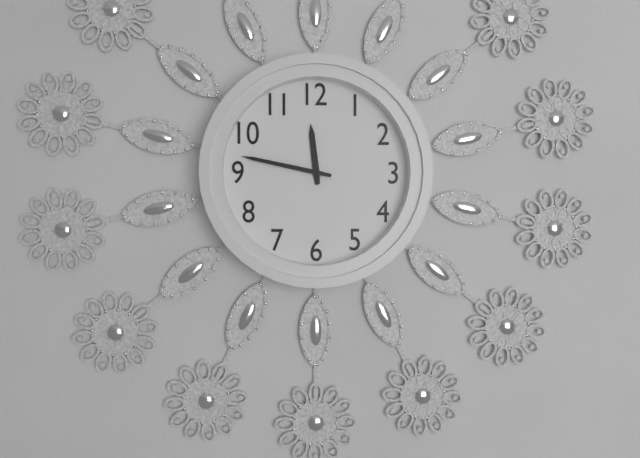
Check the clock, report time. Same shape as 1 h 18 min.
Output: 11 h 47 min
